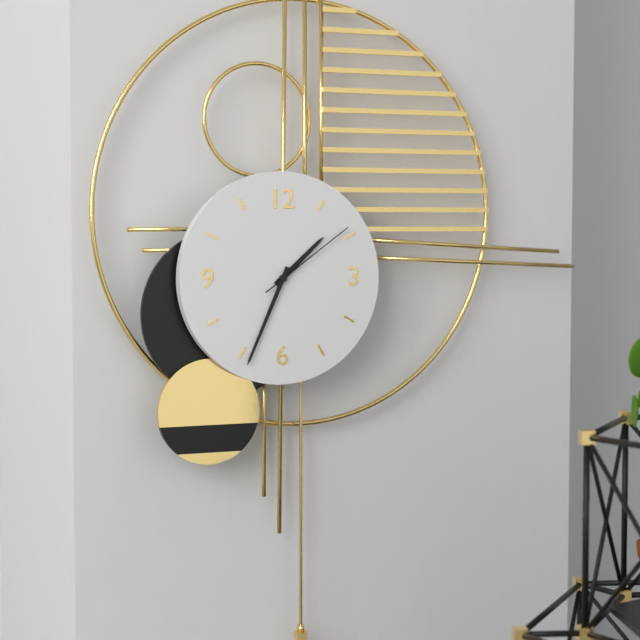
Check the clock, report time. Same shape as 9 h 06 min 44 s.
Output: 1 h 34 min 09 s
